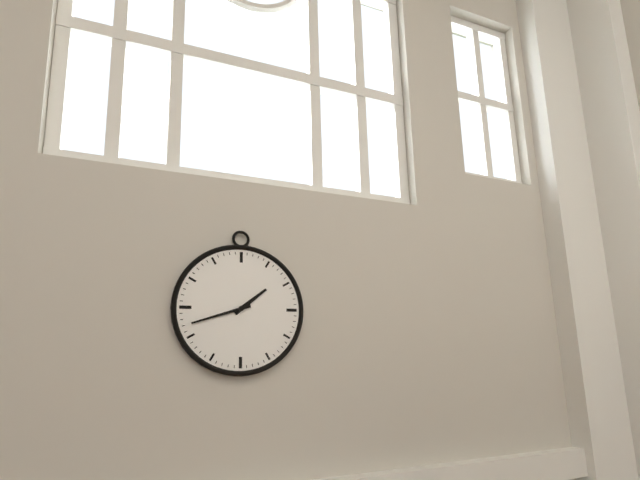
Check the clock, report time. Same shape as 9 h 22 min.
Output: 1 h 42 min
